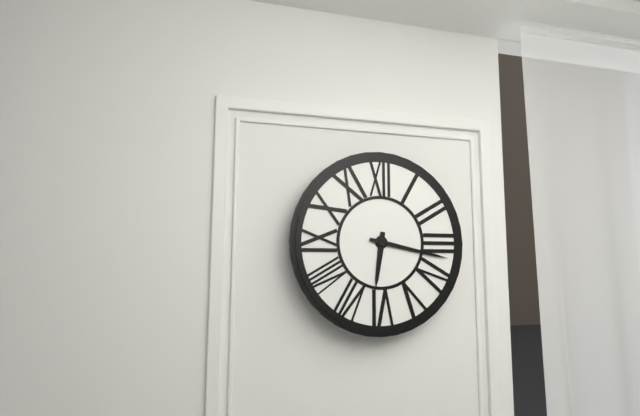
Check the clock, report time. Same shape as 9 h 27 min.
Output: 6 h 17 min
